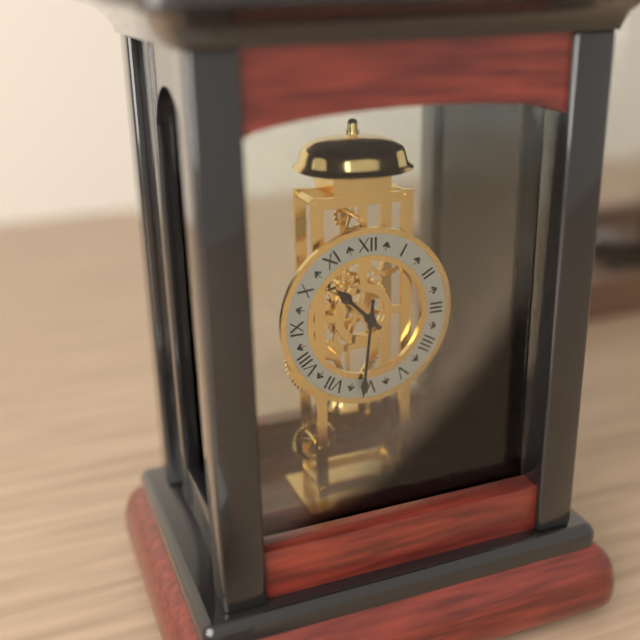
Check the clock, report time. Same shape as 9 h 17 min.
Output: 10 h 31 min
